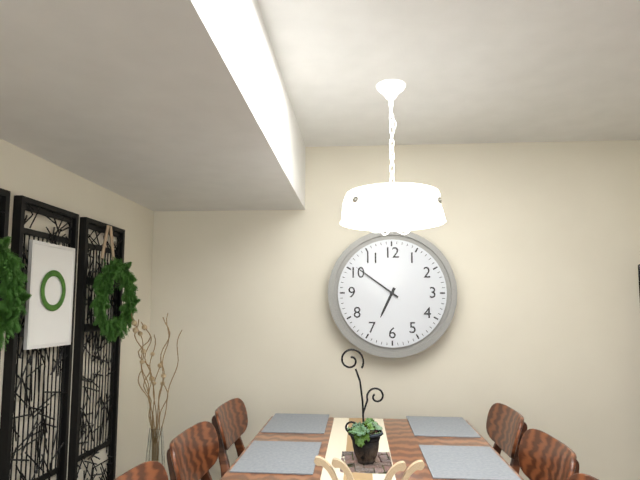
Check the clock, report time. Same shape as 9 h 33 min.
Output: 6 h 51 min
